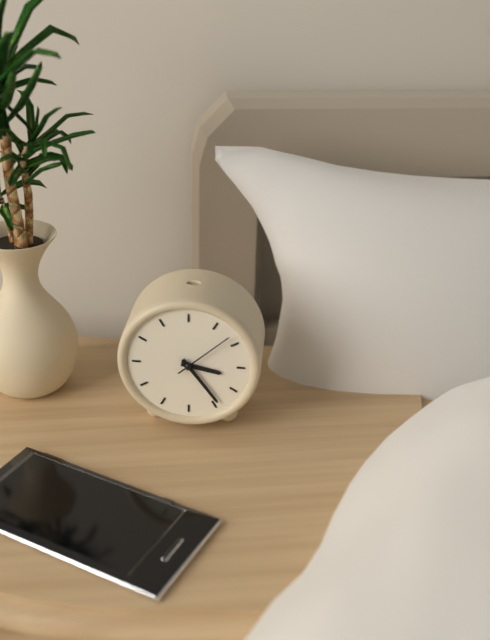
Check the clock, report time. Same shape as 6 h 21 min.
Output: 3 h 24 min
